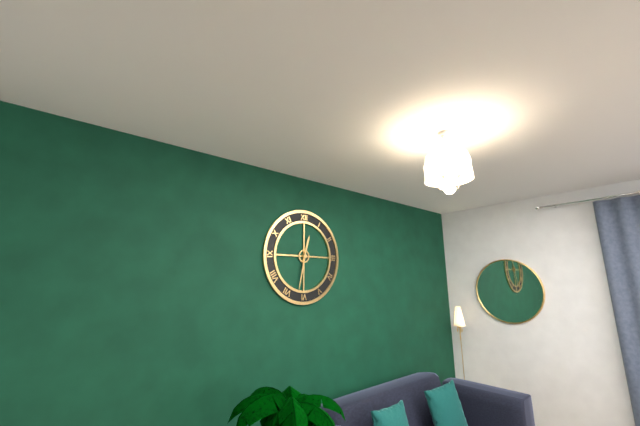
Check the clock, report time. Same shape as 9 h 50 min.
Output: 12 h 32 min
